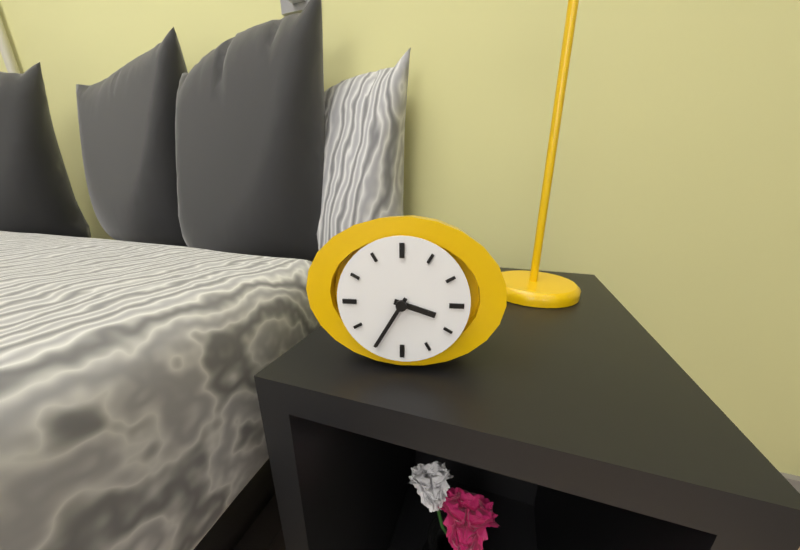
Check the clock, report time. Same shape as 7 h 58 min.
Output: 3 h 35 min
